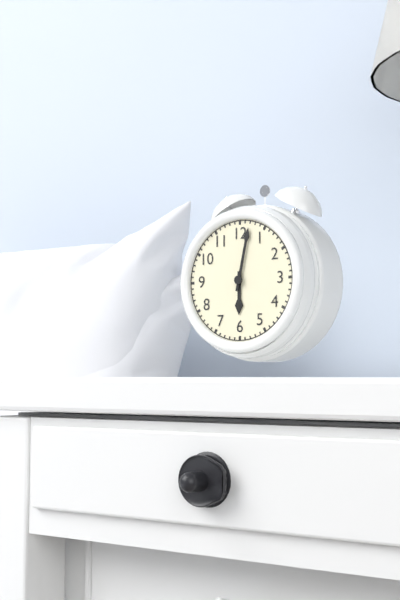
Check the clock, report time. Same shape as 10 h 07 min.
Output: 6 h 02 min
